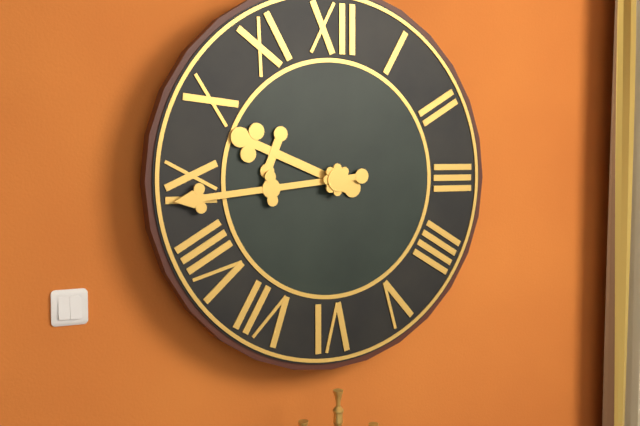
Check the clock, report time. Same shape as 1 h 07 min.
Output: 9 h 44 min
